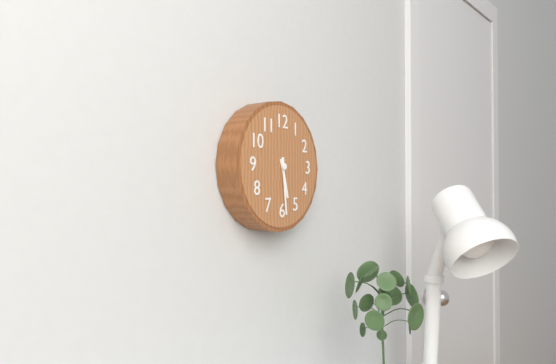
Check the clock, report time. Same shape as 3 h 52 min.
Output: 5 h 29 min
